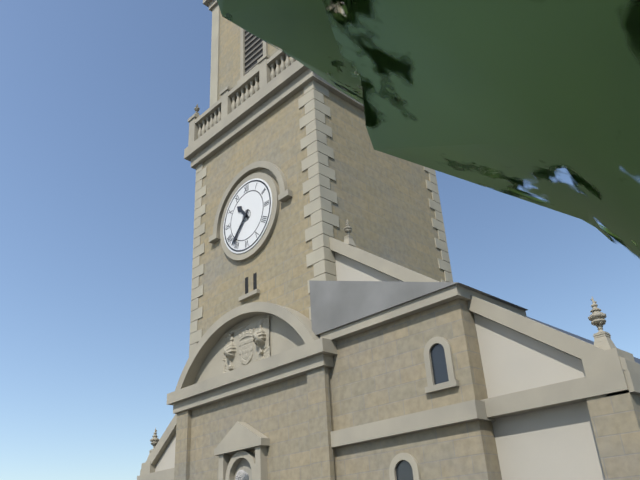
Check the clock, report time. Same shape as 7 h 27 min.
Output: 10 h 37 min
